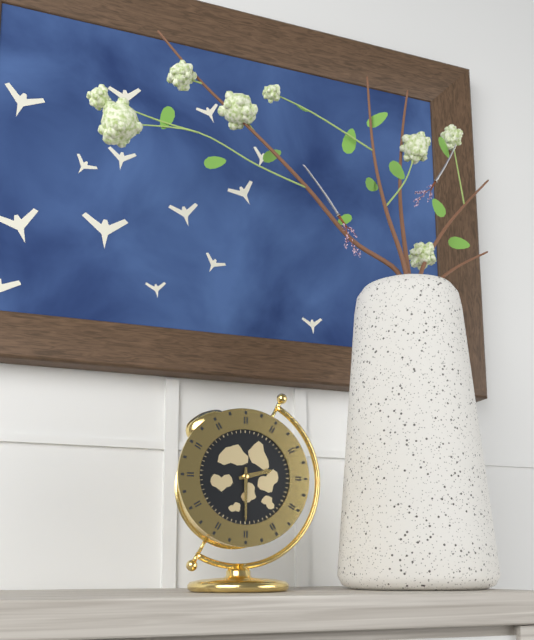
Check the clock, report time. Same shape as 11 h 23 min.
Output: 2 h 30 min
